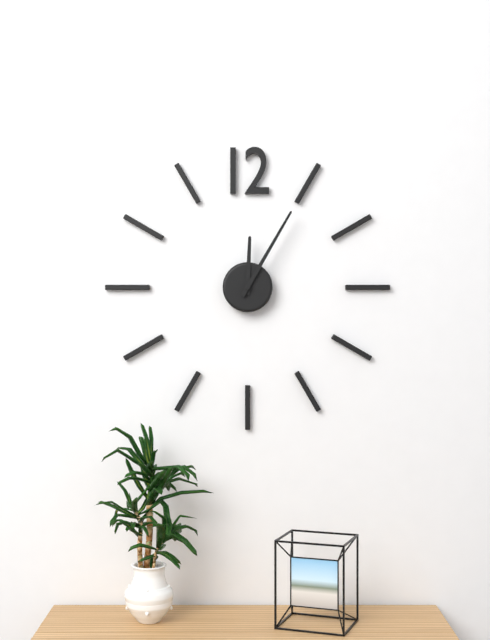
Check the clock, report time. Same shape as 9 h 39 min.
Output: 12 h 05 min
